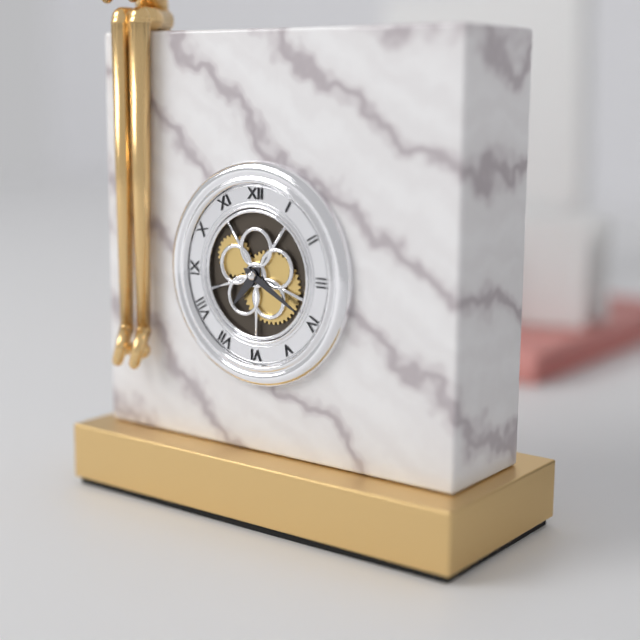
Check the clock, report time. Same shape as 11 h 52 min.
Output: 7 h 20 min
